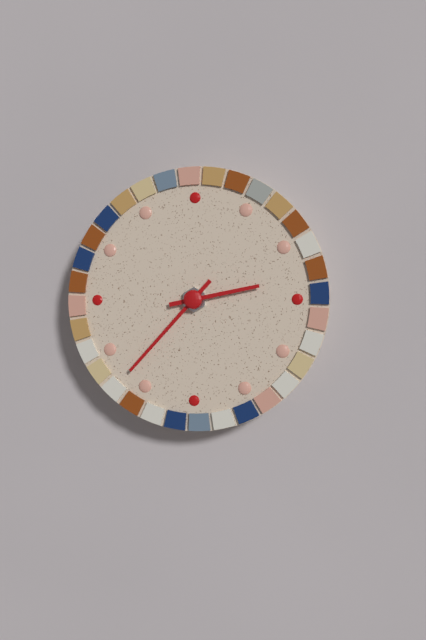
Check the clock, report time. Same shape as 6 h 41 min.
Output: 2 h 37 min
